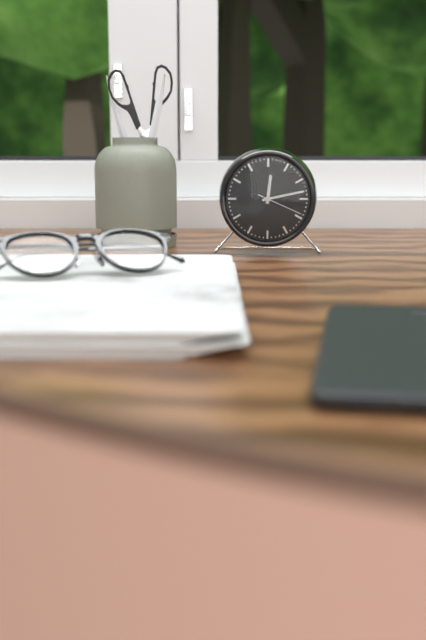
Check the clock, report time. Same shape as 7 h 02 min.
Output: 12 h 13 min
